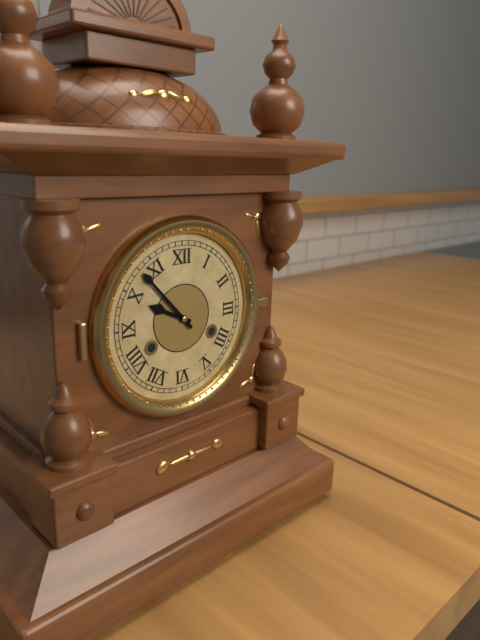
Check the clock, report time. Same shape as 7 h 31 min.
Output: 9 h 53 min
